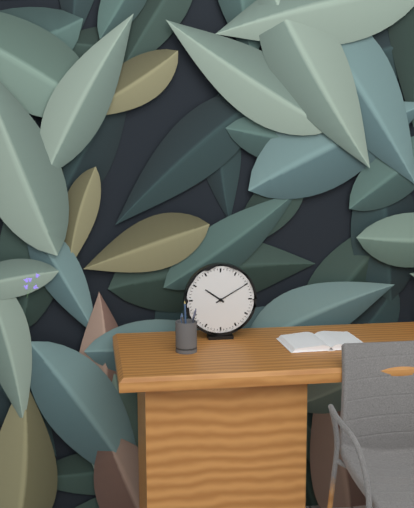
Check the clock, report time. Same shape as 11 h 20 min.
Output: 10 h 10 min
